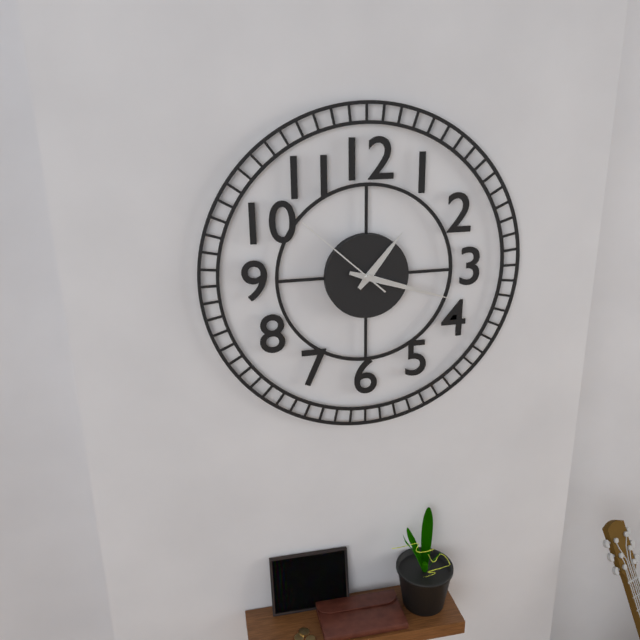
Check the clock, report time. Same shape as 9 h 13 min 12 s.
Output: 1 h 18 min 52 s
